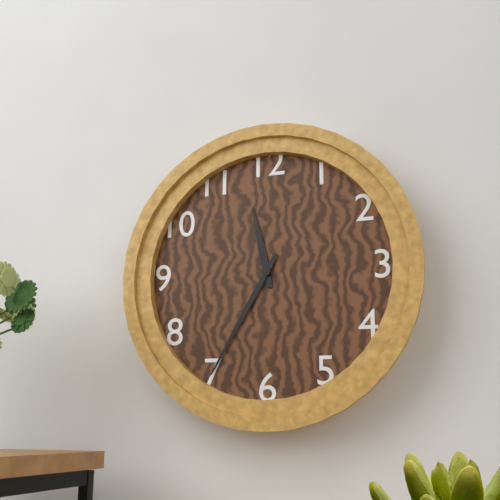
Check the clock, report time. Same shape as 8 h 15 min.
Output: 11 h 35 min
